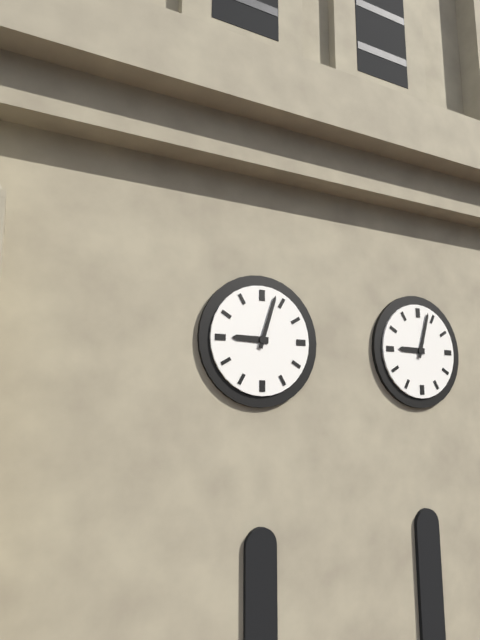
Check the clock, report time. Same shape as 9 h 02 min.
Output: 9 h 03 min
